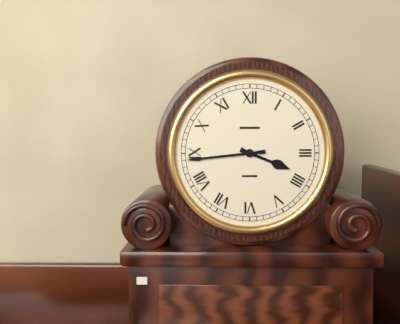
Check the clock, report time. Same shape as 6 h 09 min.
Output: 3 h 44 min
